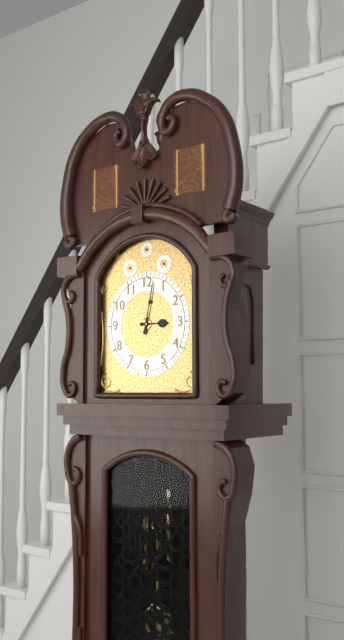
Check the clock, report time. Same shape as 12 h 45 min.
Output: 3 h 02 min
